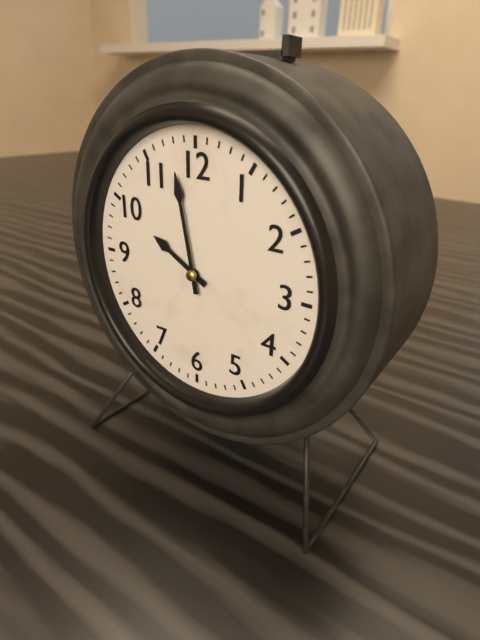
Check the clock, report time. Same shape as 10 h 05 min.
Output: 9 h 58 min
